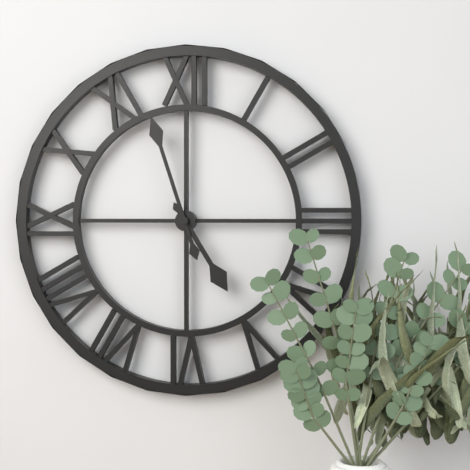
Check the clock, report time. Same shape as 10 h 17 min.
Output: 4 h 57 min
